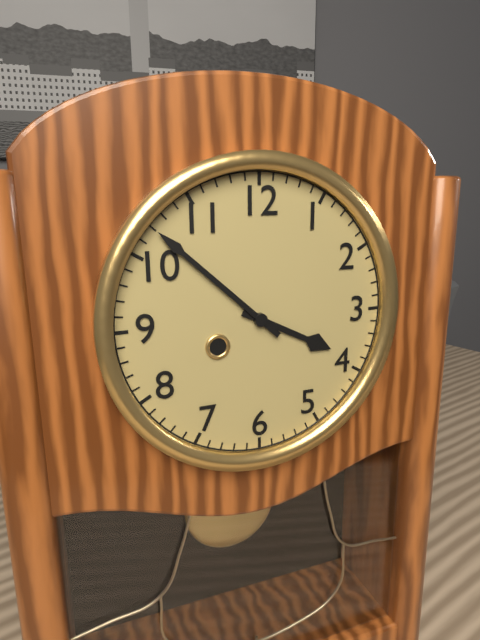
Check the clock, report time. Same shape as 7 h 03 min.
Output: 3 h 52 min
